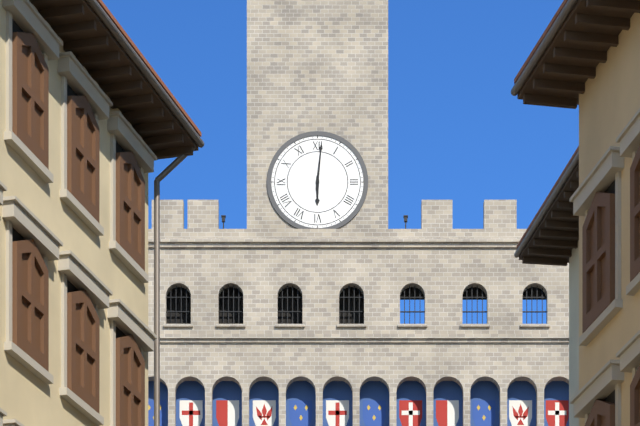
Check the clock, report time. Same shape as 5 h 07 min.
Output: 6 h 01 min
